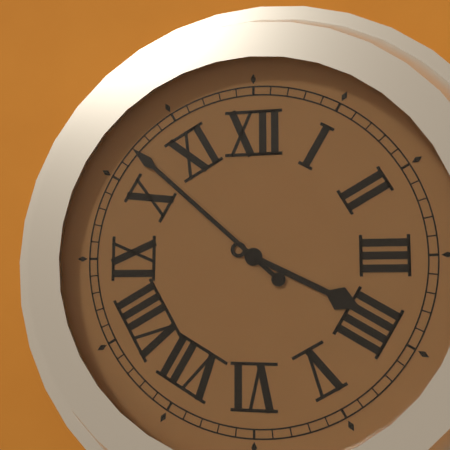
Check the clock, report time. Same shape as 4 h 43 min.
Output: 3 h 52 min
